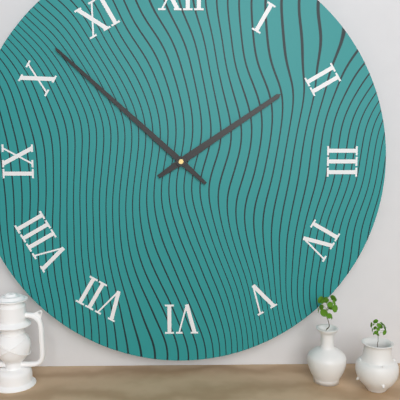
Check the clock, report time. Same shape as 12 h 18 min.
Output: 1 h 52 min
